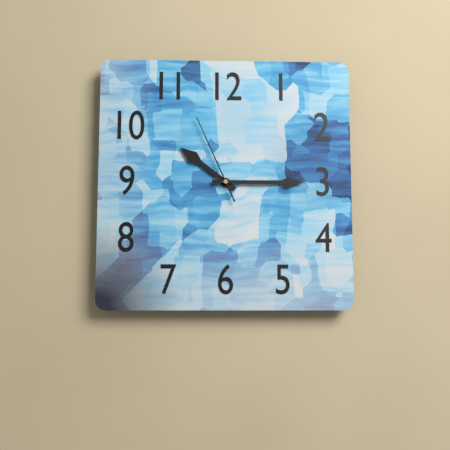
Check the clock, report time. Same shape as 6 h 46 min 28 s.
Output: 10 h 15 min 56 s
